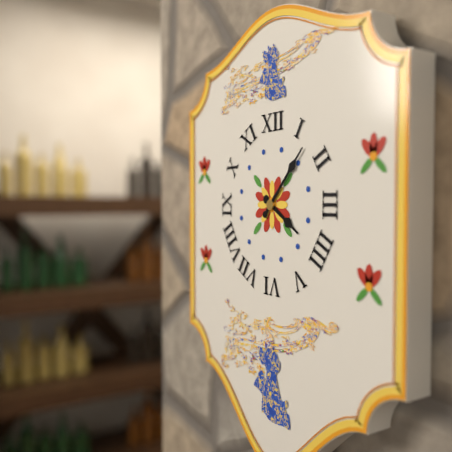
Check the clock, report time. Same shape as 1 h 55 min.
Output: 4 h 07 min
